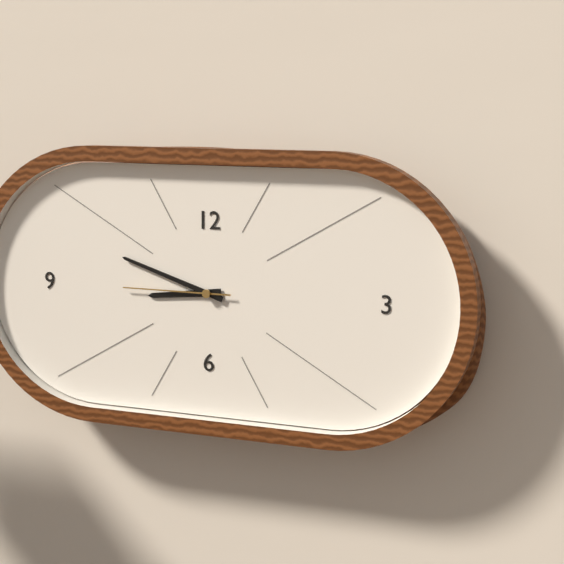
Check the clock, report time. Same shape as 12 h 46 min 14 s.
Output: 8 h 48 min 45 s
